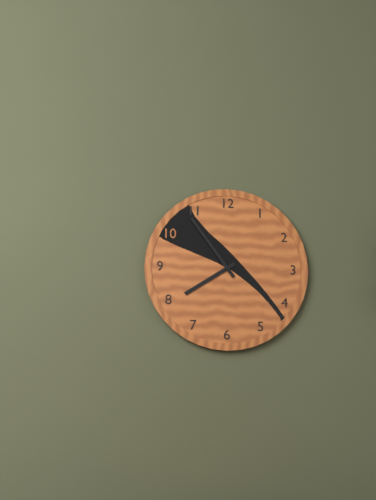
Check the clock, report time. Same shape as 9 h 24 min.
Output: 7 h 54 min
